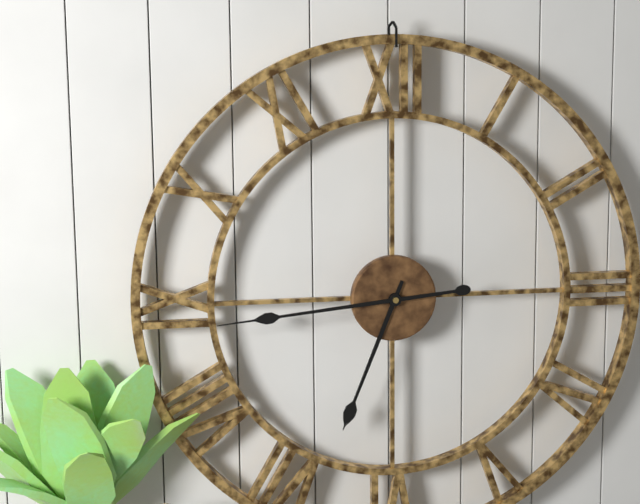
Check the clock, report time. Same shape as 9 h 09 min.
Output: 6 h 44 min
